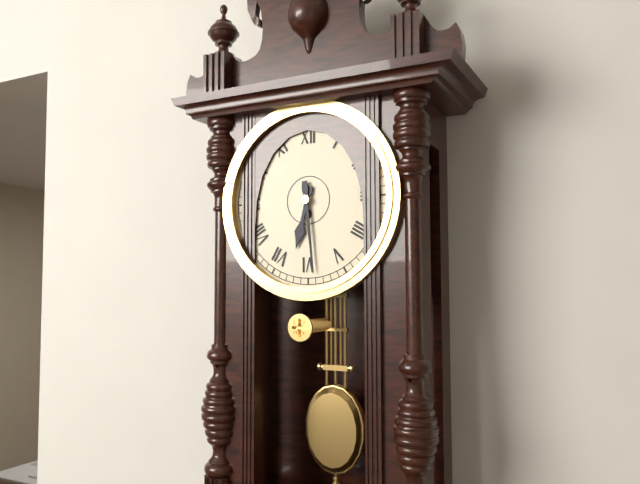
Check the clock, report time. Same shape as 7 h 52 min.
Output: 6 h 29 min
